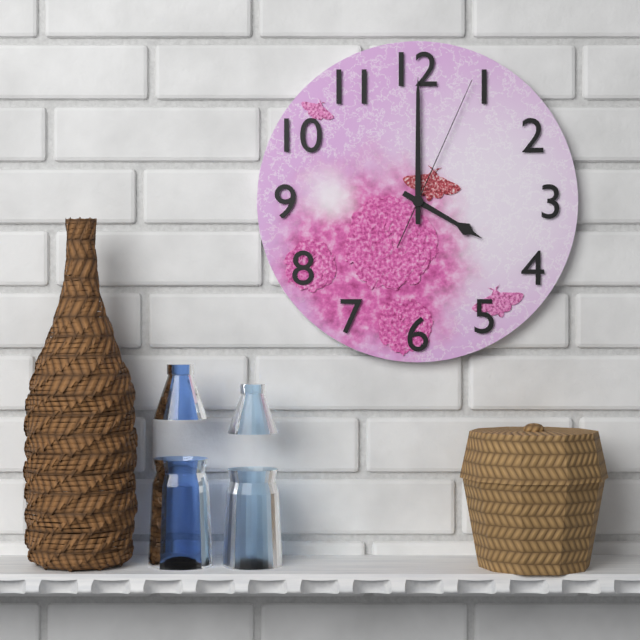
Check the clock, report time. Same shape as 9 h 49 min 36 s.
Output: 4 h 00 min 04 s
